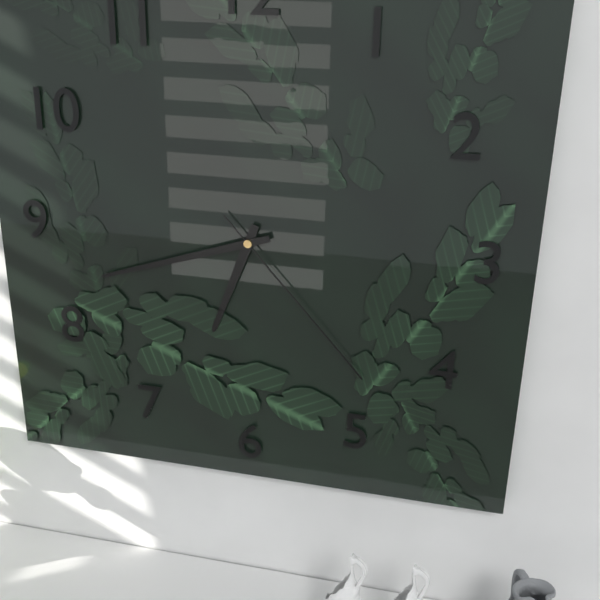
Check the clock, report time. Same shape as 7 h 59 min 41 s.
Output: 6 h 42 min 23 s
